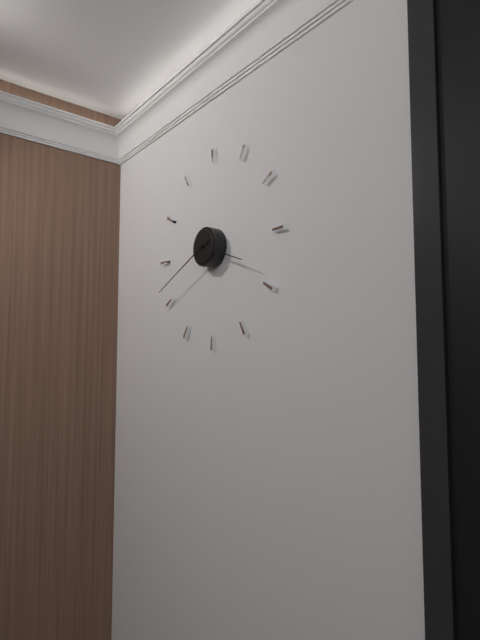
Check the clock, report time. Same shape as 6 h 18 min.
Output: 3 h 41 min
